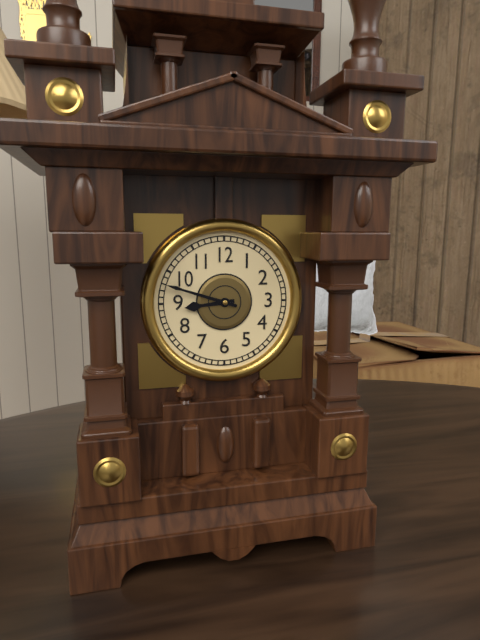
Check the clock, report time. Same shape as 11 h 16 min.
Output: 8 h 48 min
